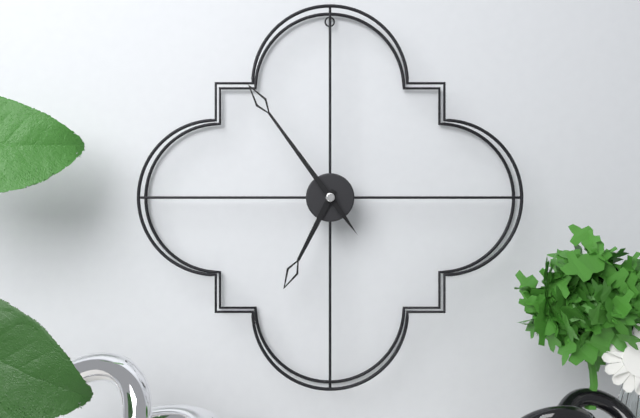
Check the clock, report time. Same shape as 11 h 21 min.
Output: 6 h 54 min
